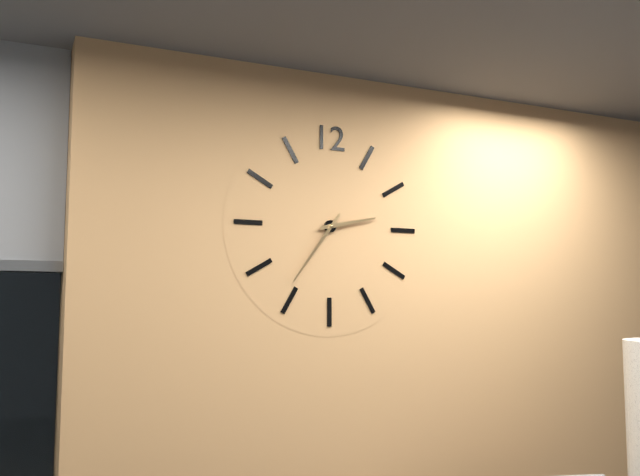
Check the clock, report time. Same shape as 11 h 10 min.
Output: 2 h 36 min
